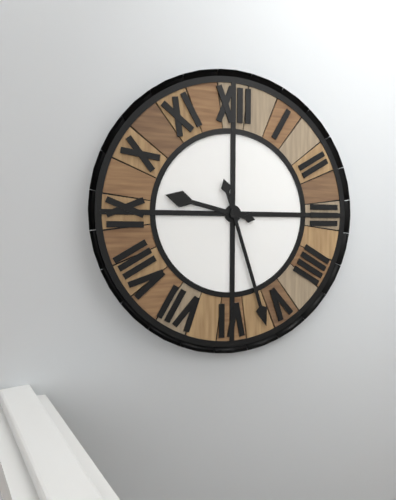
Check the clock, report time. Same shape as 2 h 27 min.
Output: 9 h 27 min
